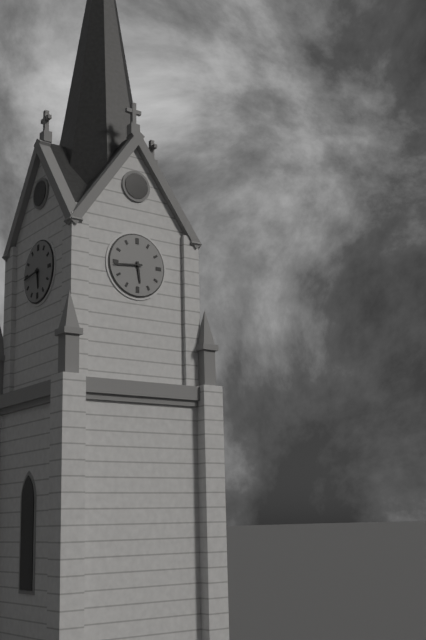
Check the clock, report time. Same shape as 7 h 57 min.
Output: 5 h 44 min
